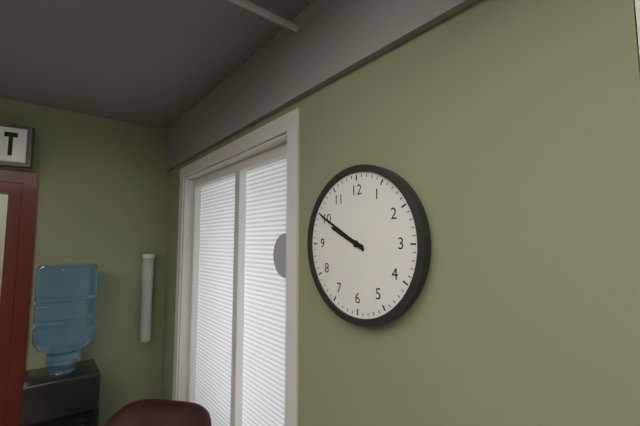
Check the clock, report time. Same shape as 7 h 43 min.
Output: 9 h 50 min
